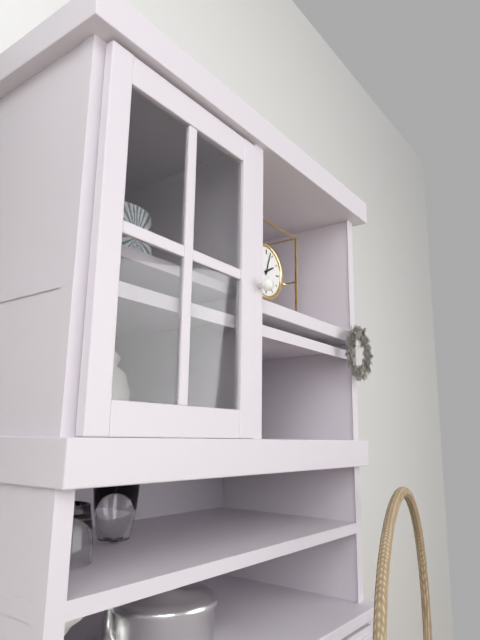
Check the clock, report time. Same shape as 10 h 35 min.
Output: 2 h 03 min
